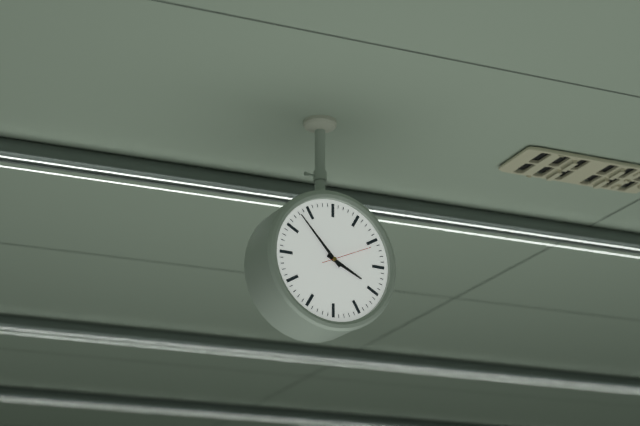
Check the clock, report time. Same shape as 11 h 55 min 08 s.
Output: 3 h 53 min 11 s
